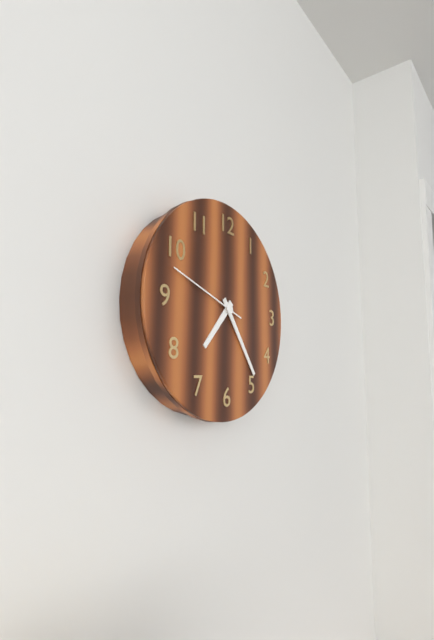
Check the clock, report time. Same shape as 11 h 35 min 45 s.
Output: 7 h 24 min 48 s
